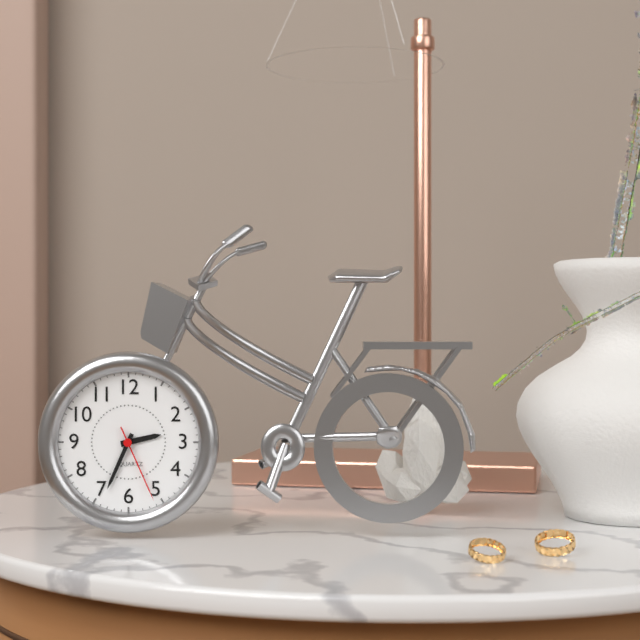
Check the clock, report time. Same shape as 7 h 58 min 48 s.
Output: 2 h 34 min 26 s
